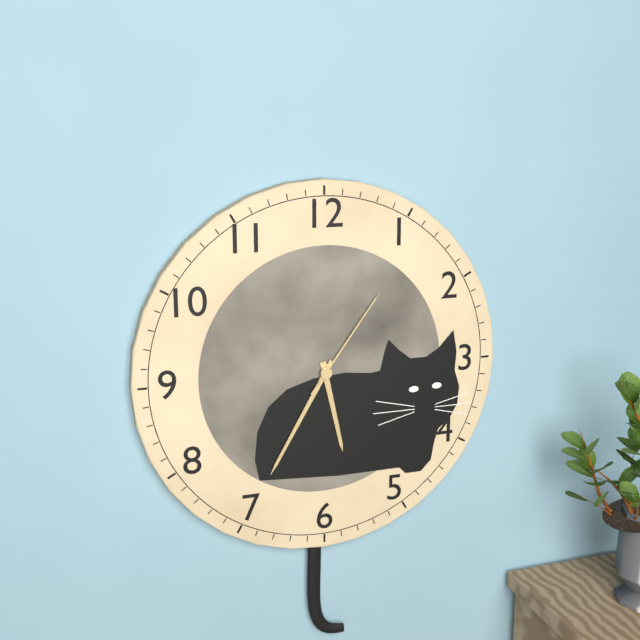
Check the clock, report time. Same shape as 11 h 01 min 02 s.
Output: 5 h 35 min 06 s
